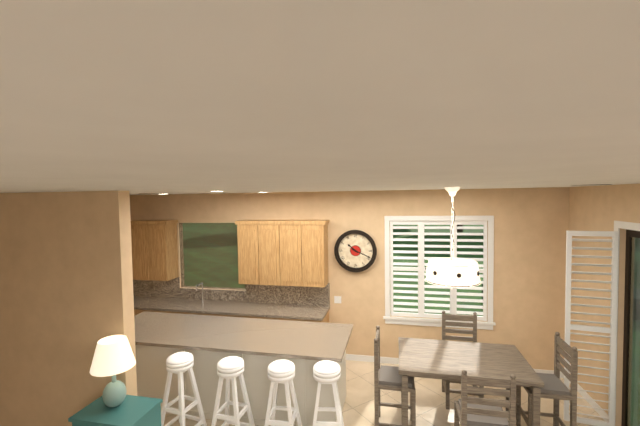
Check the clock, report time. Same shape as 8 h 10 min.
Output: 10 h 19 min
